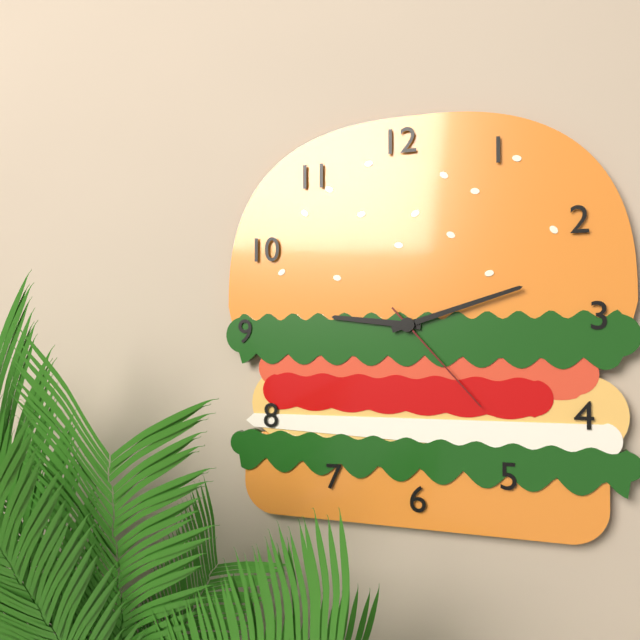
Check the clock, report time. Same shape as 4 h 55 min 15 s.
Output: 9 h 12 min 23 s
